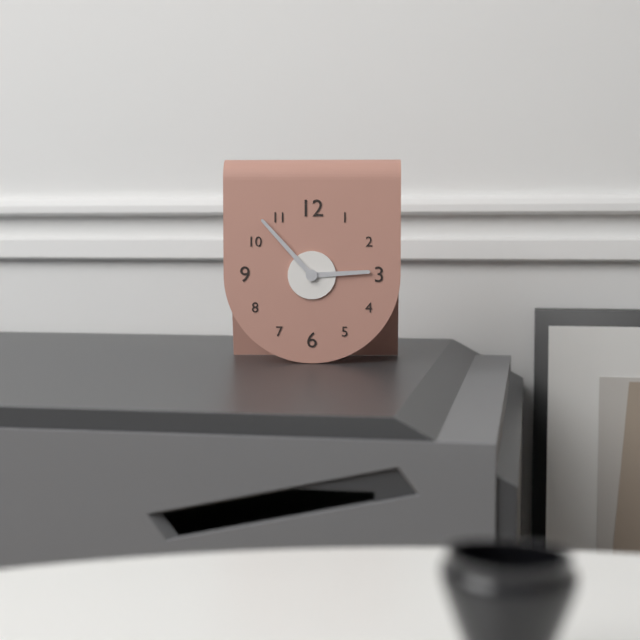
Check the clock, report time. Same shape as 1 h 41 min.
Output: 2 h 53 min
